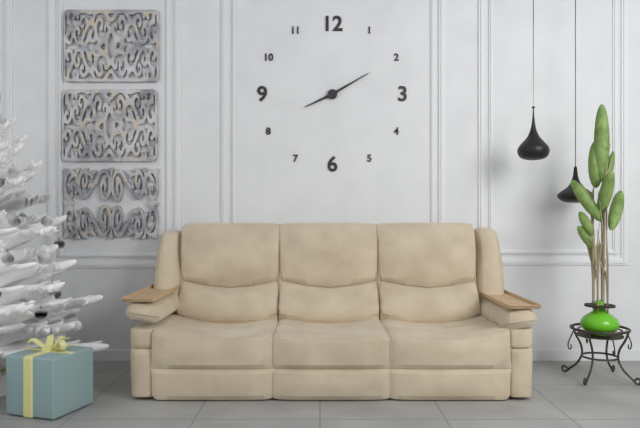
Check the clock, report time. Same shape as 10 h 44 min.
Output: 8 h 10 min
